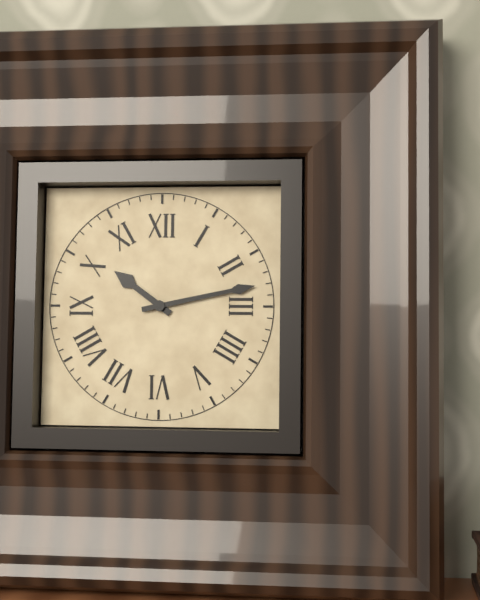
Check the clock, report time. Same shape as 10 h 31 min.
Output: 10 h 13 min
